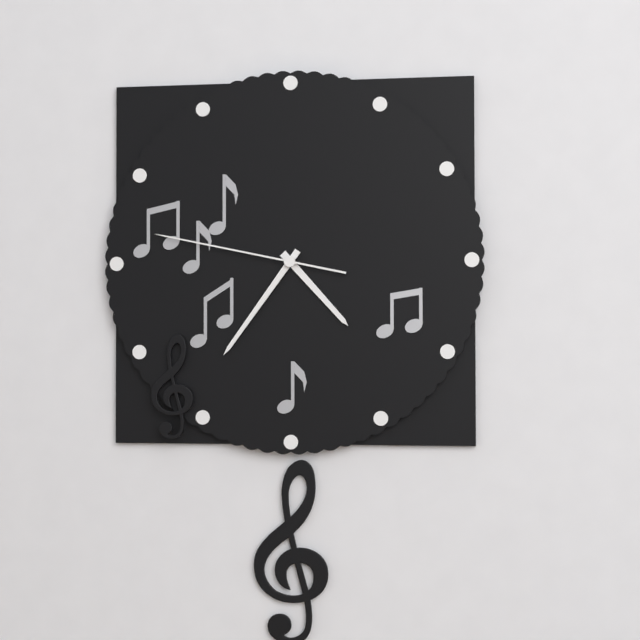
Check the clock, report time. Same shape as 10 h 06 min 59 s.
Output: 4 h 36 min 47 s
